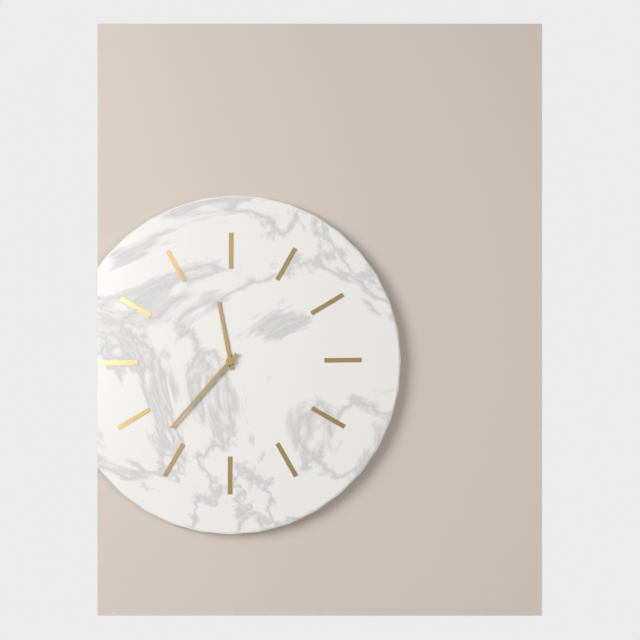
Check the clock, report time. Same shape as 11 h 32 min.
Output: 11 h 37 min
